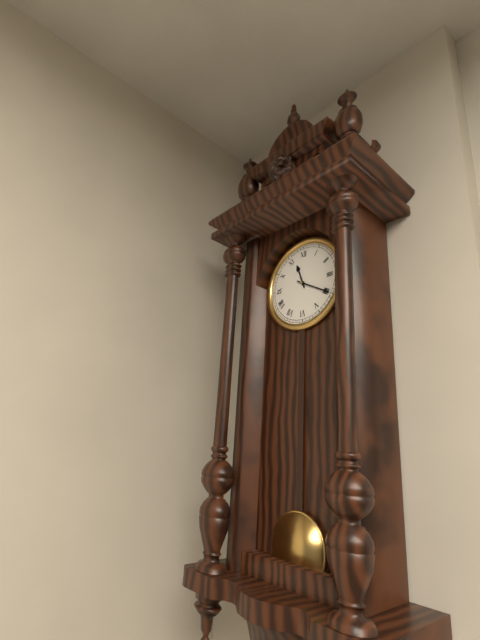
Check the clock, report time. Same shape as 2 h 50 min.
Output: 11 h 20 min
